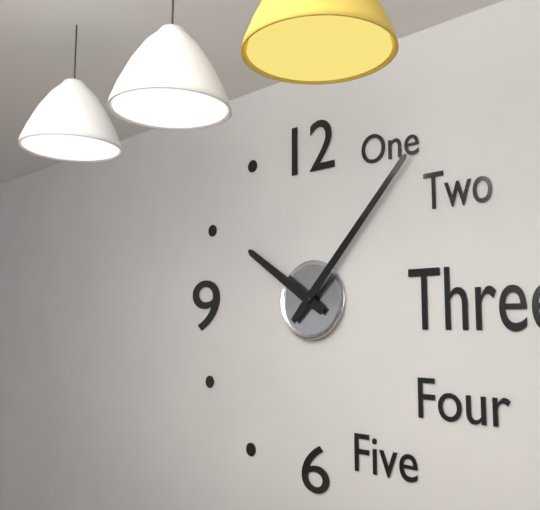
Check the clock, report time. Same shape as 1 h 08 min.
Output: 10 h 07 min
